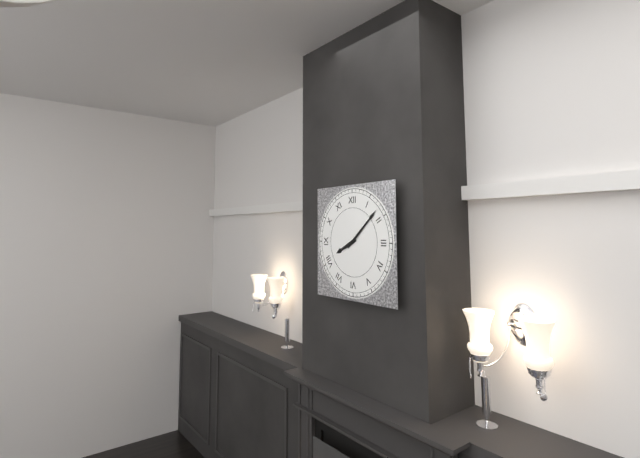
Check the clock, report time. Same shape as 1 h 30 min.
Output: 8 h 08 min
